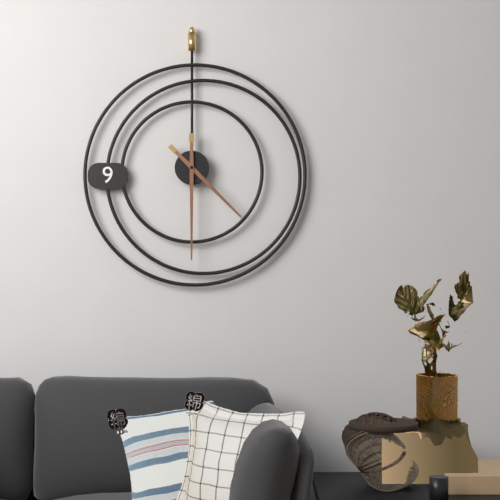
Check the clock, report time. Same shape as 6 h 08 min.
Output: 4 h 30 min
